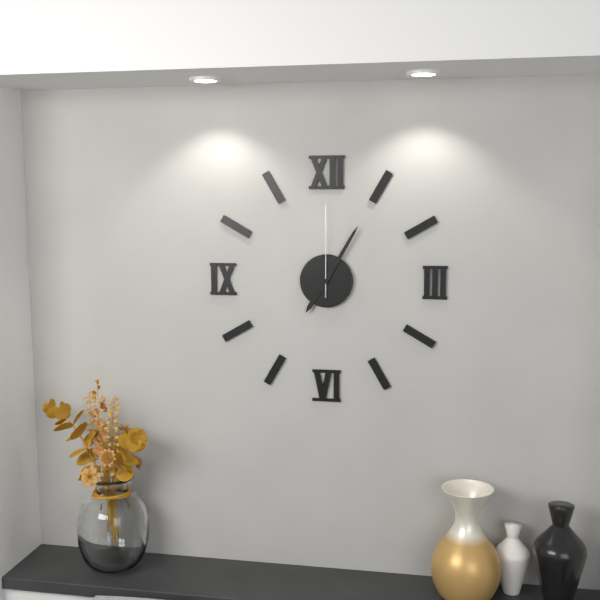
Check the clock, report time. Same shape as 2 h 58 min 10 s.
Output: 7 h 05 min 00 s
